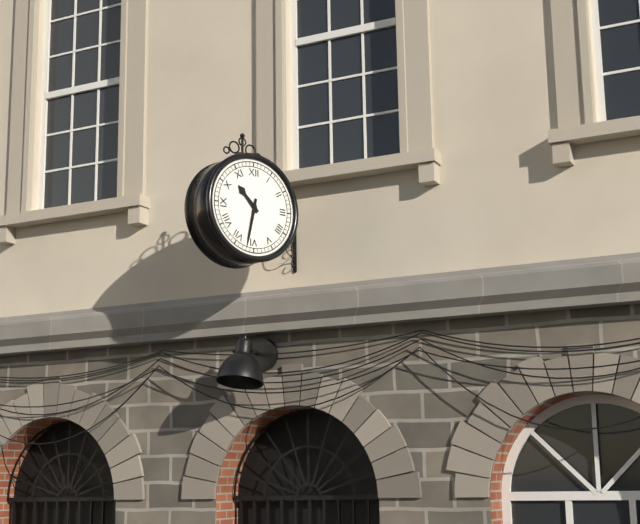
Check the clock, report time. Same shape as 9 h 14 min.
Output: 10 h 32 min
